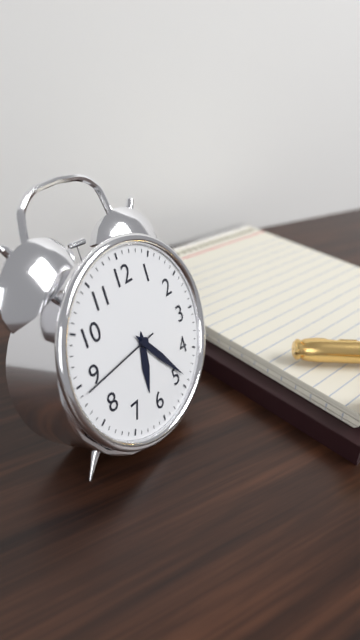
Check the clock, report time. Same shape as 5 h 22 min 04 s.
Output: 6 h 24 min 44 s
